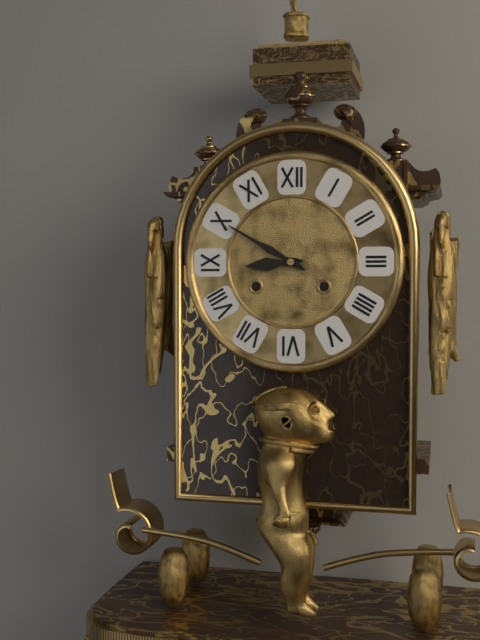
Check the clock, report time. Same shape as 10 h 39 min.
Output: 8 h 50 min
